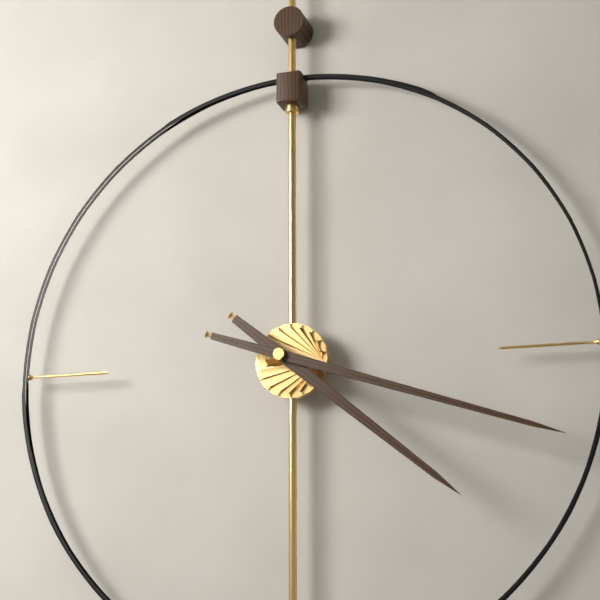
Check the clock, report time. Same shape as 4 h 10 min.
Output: 4 h 18 min
